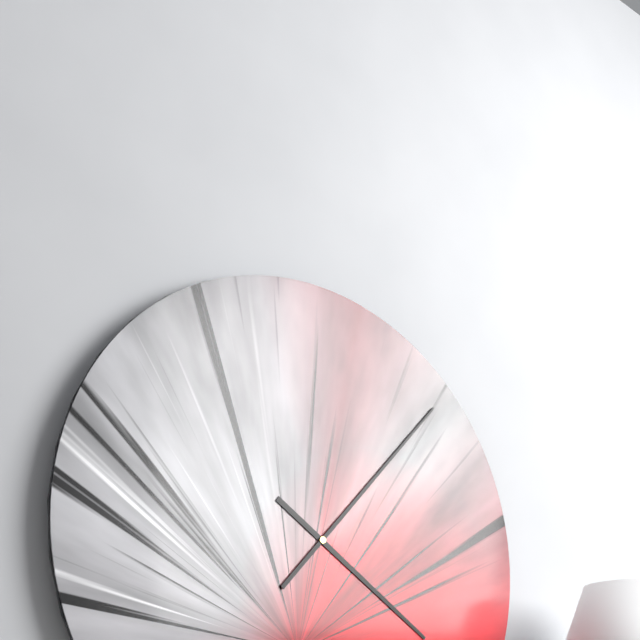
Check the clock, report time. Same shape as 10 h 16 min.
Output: 4 h 07 min
